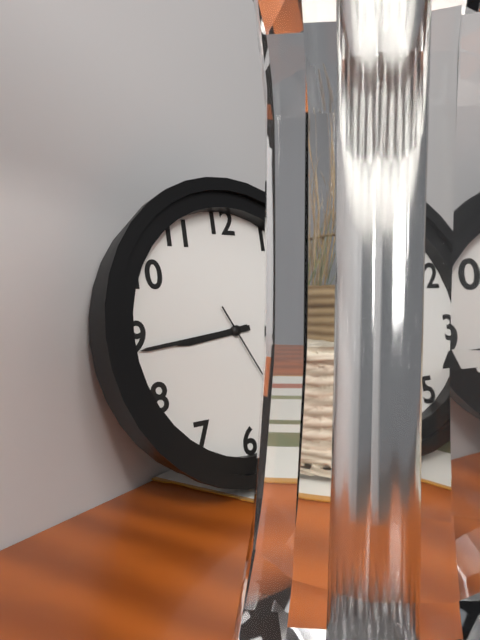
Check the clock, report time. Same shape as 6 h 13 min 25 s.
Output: 8 h 44 min 25 s
